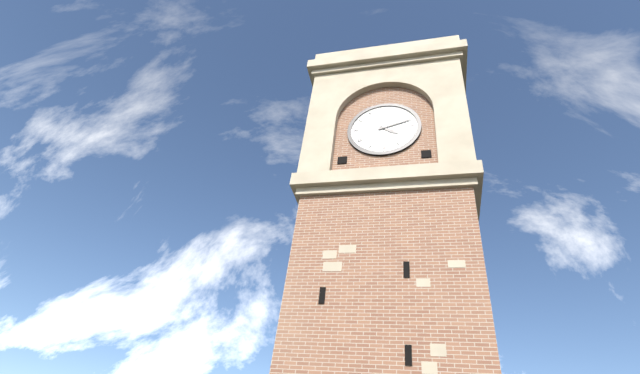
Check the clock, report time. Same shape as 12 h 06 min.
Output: 4 h 12 min
